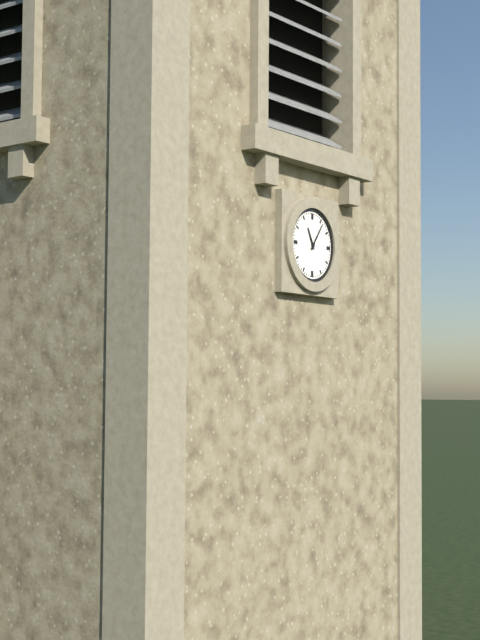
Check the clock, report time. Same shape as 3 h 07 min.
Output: 11 h 06 min
